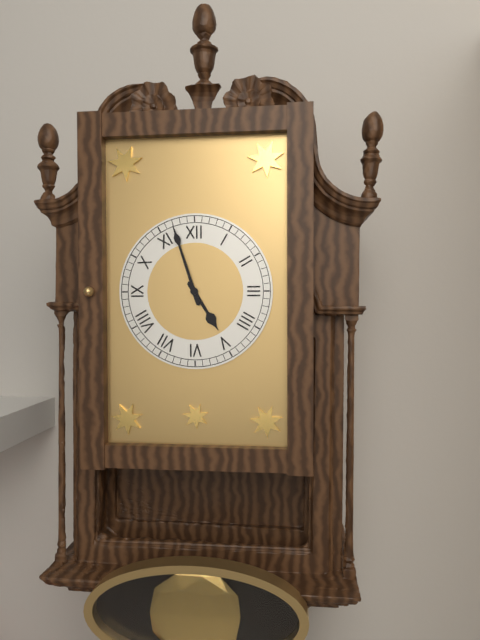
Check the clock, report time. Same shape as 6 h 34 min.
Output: 4 h 57 min
